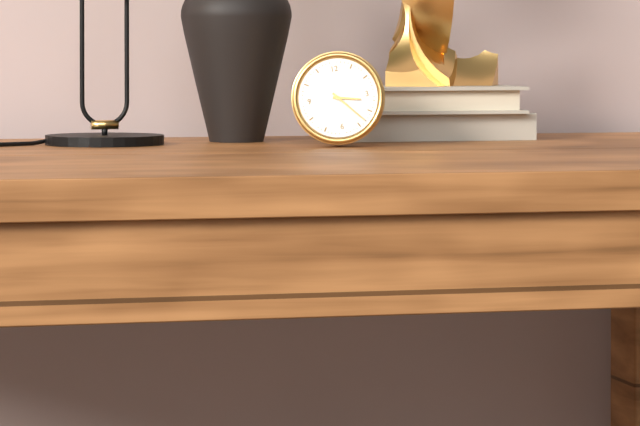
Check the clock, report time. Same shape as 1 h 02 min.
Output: 3 h 23 min
